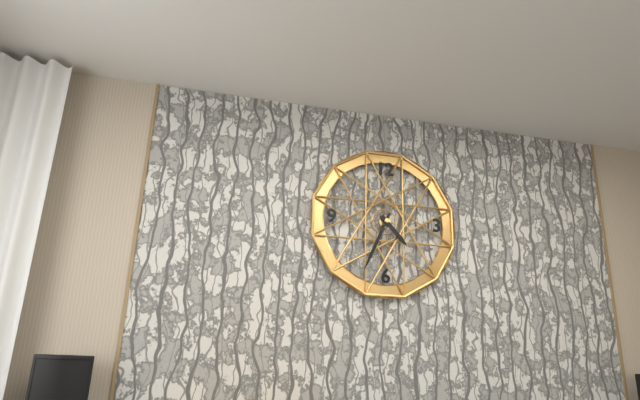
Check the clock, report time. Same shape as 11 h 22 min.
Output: 4 h 34 min
